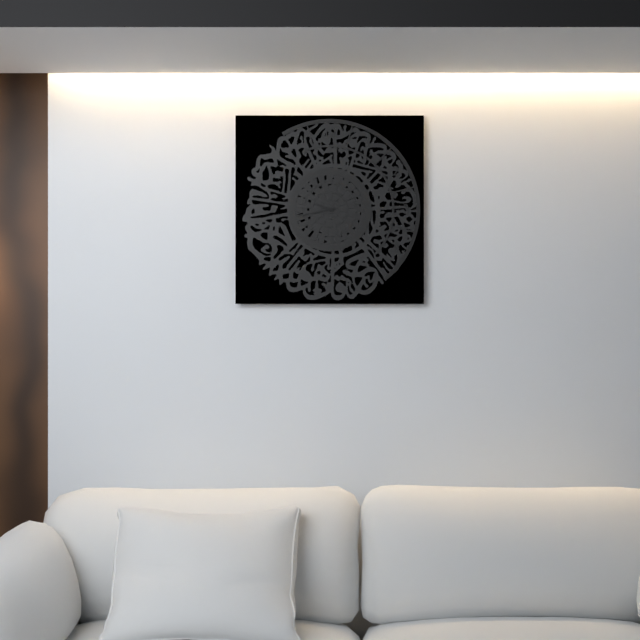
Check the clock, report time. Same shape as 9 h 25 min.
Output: 9 h 43 min
